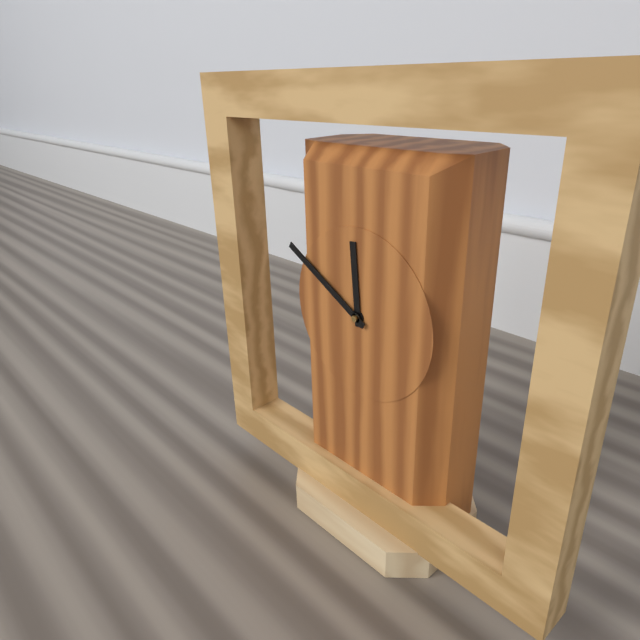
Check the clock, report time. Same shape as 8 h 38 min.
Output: 11 h 50 min
